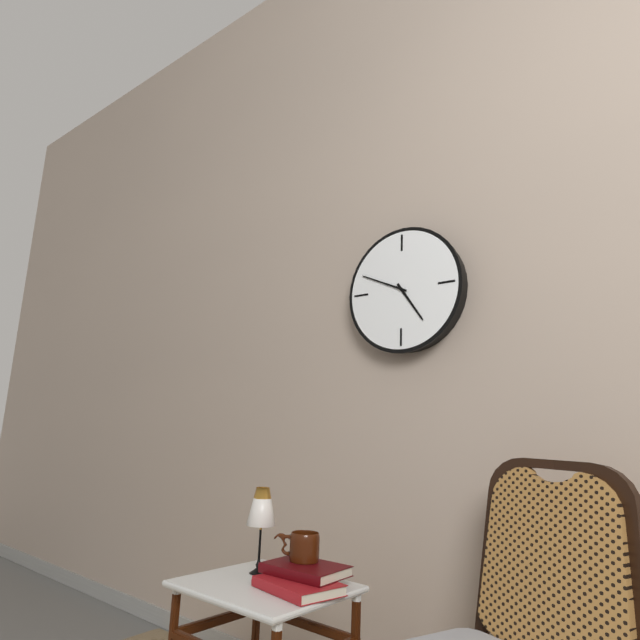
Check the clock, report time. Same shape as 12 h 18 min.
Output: 4 h 49 min
